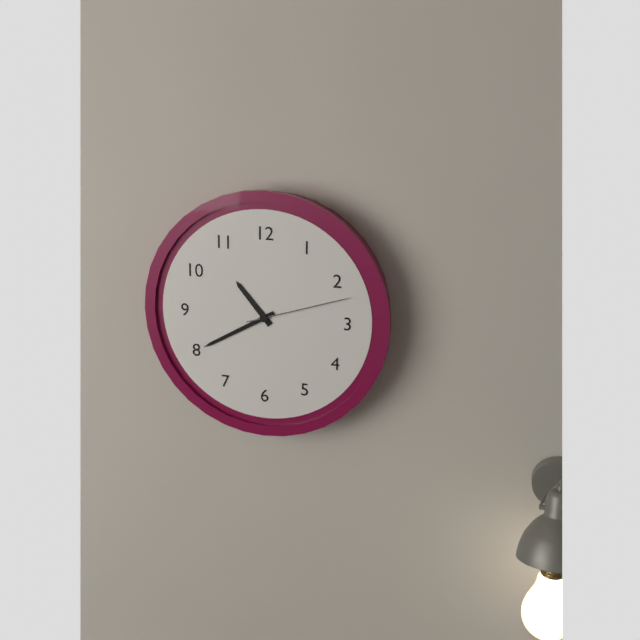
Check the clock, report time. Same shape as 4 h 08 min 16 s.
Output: 10 h 40 min 12 s
